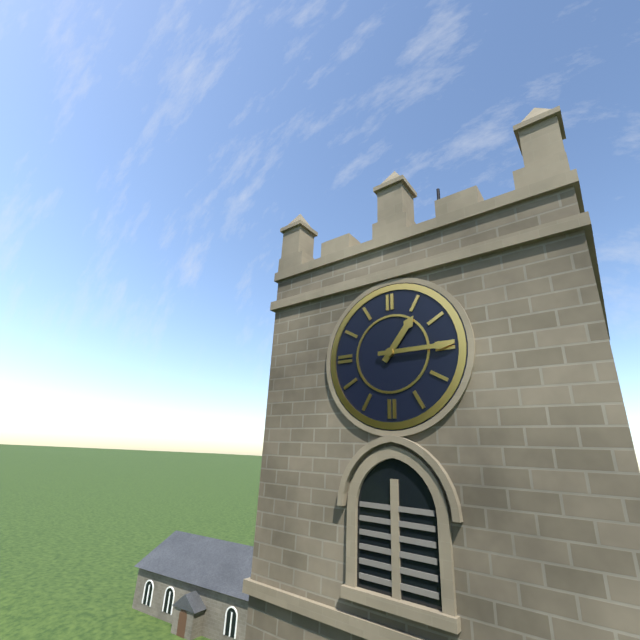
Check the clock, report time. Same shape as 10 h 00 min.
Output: 1 h 15 min
